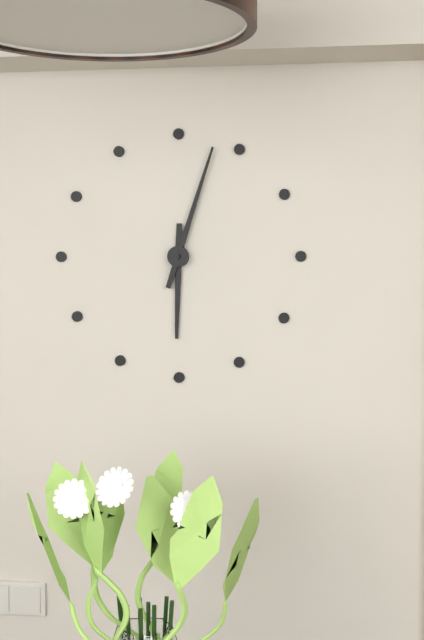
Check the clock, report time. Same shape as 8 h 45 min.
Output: 6 h 03 min
